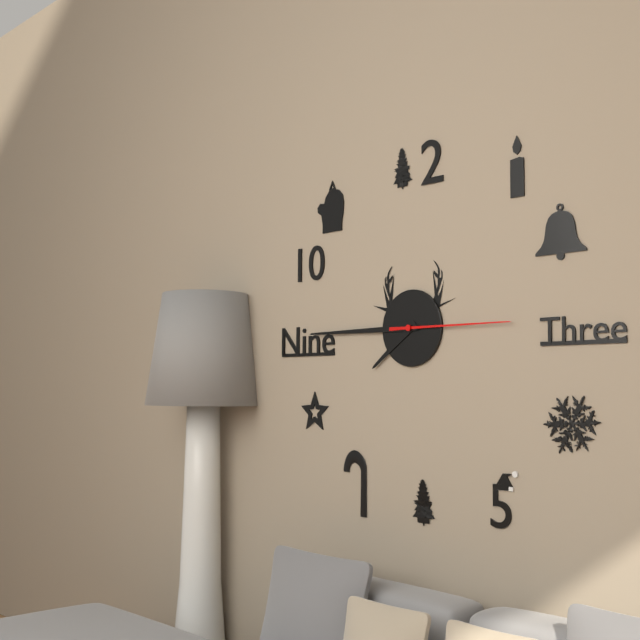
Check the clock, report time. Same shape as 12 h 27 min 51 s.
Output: 7 h 45 min 15 s
